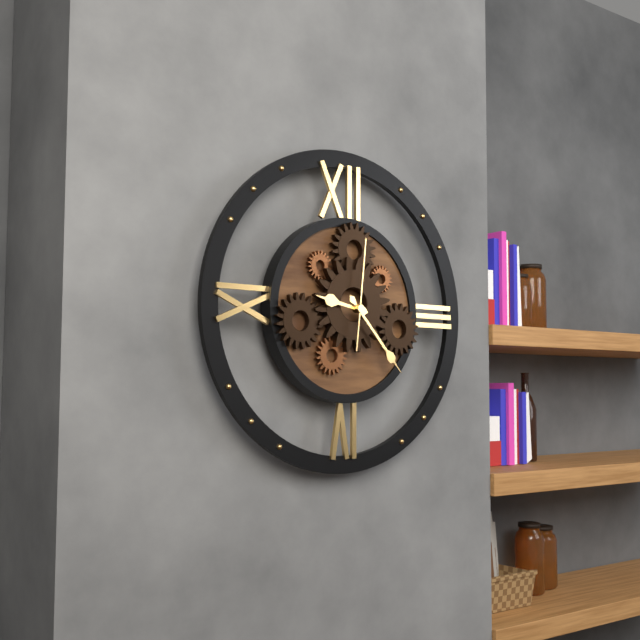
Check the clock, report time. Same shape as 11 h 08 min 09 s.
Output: 9 h 23 min 01 s
